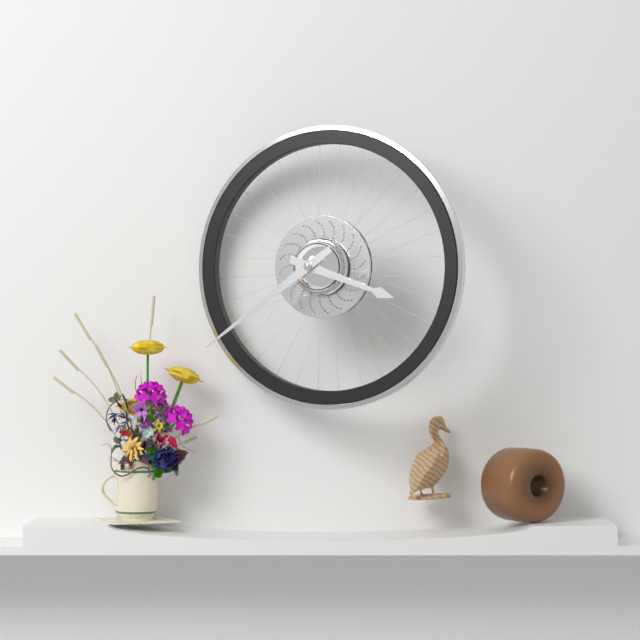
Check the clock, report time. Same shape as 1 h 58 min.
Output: 3 h 39 min
